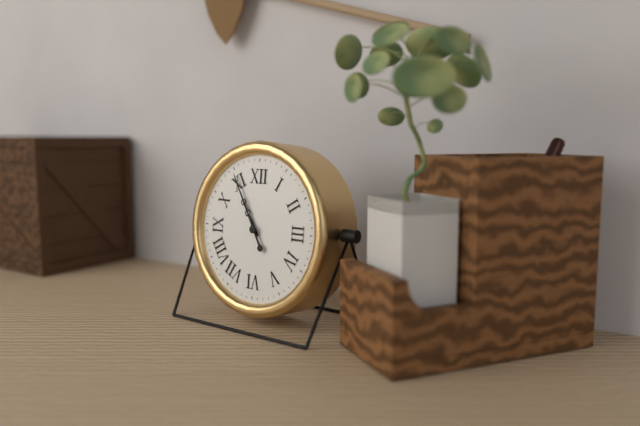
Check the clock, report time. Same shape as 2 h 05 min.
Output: 10 h 55 min
